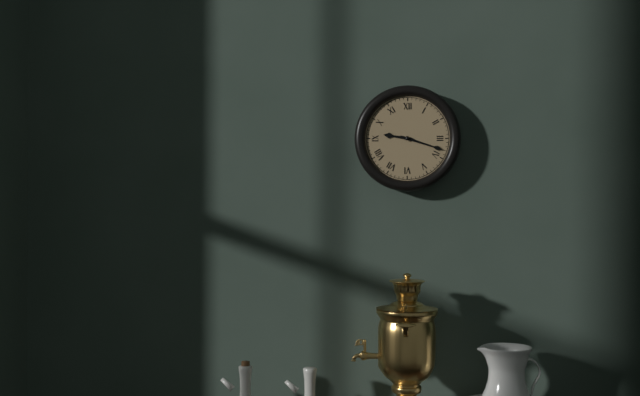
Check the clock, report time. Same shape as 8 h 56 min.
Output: 9 h 18 min
